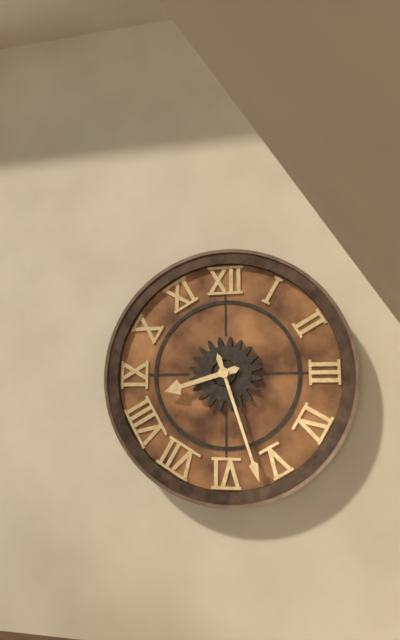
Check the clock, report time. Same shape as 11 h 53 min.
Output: 8 h 27 min
